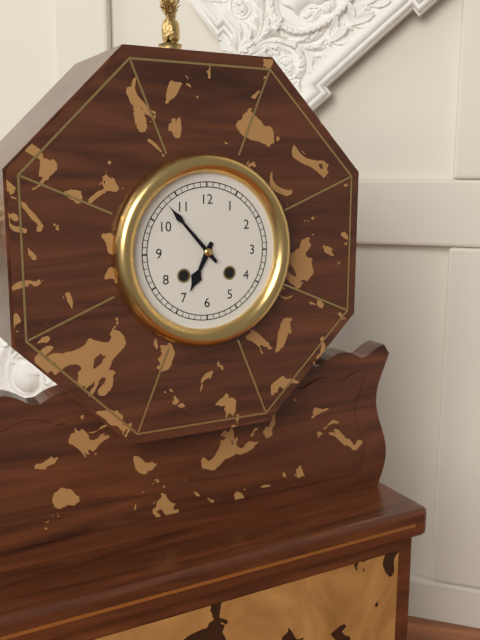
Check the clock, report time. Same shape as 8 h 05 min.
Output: 6 h 53 min
